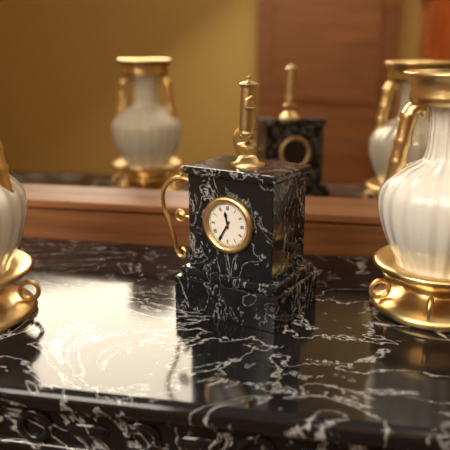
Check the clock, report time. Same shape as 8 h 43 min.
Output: 11 h 35 min
